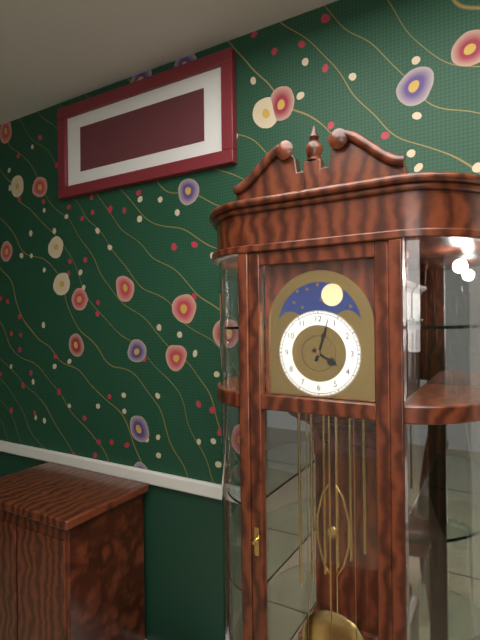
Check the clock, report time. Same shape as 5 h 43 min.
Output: 4 h 03 min
